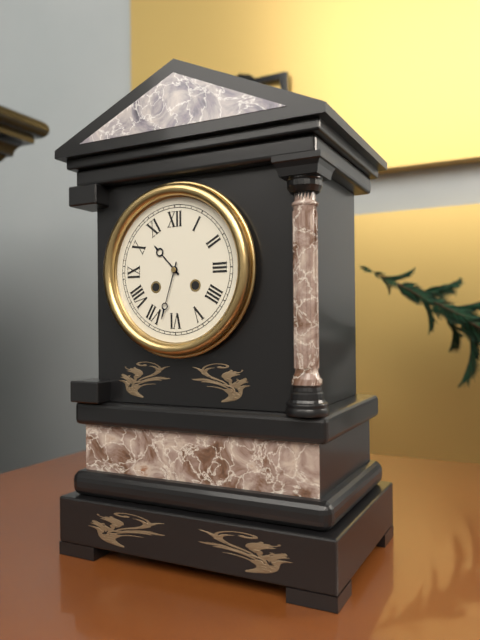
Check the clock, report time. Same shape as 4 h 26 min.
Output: 10 h 33 min
